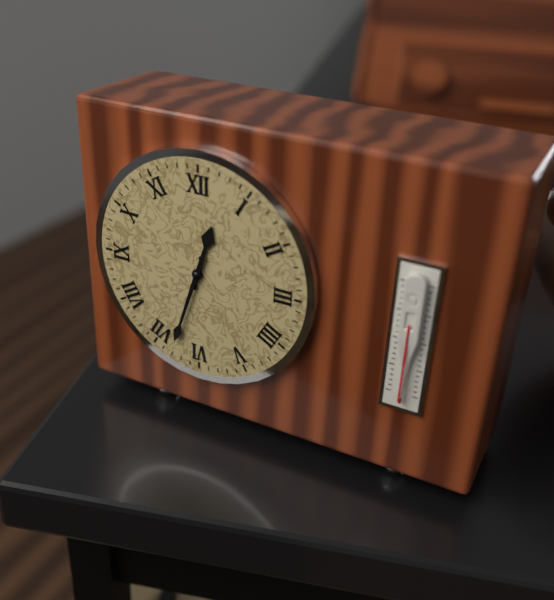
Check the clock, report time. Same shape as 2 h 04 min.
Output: 12 h 33 min
